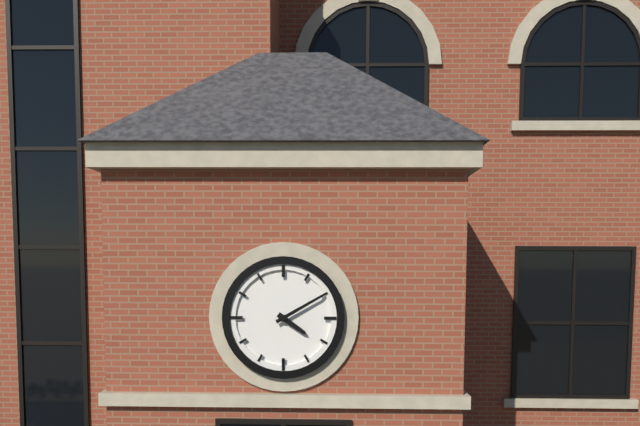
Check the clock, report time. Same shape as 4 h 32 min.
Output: 4 h 10 min
